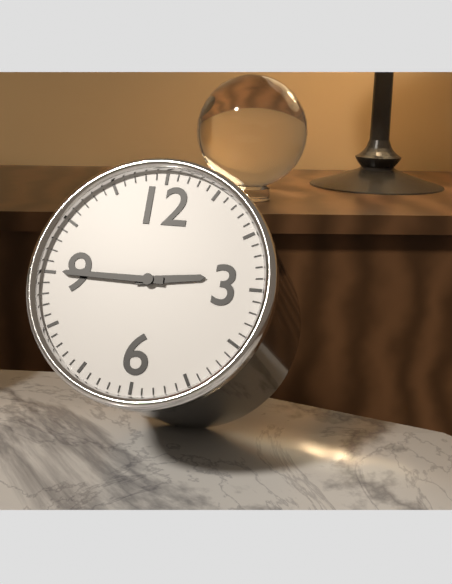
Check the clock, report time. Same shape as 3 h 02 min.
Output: 2 h 45 min
